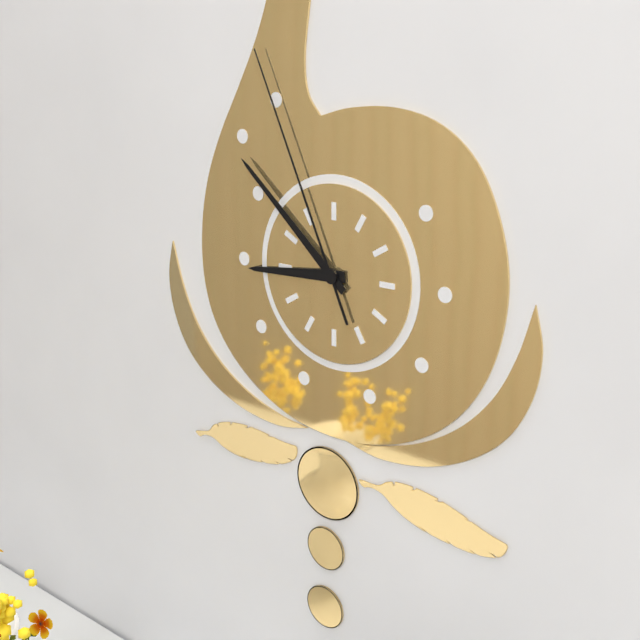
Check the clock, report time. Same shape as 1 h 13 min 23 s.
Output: 8 h 52 min 56 s
